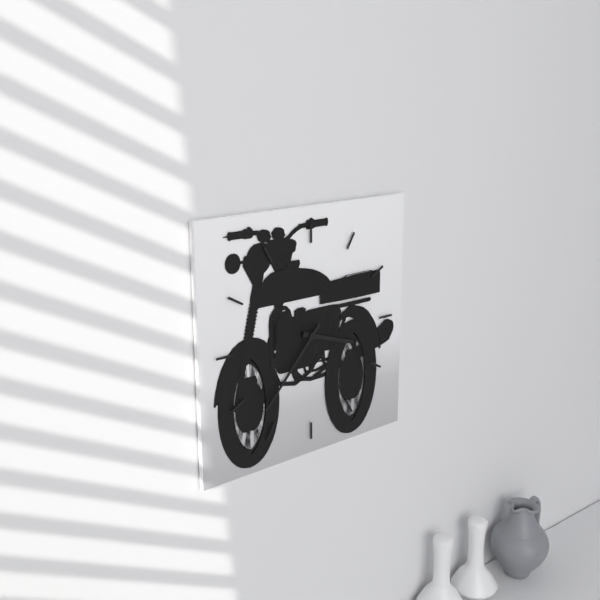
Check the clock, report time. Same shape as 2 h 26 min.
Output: 3 h 37 min
